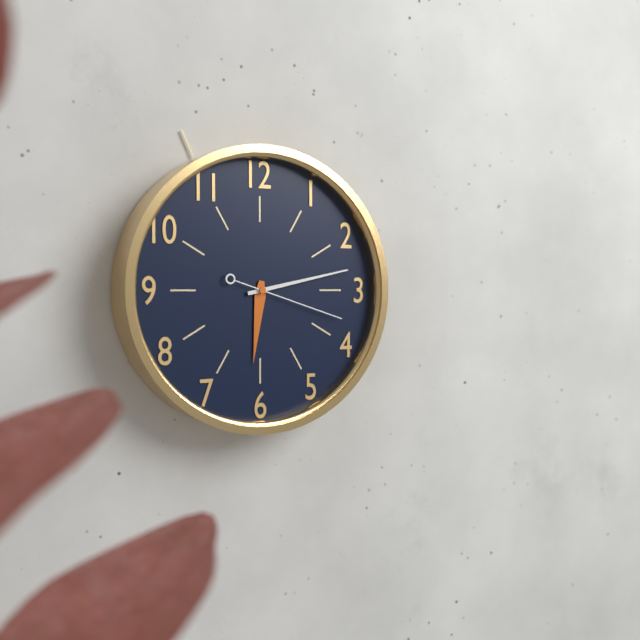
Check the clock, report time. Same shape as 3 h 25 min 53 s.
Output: 6 h 13 min 18 s
